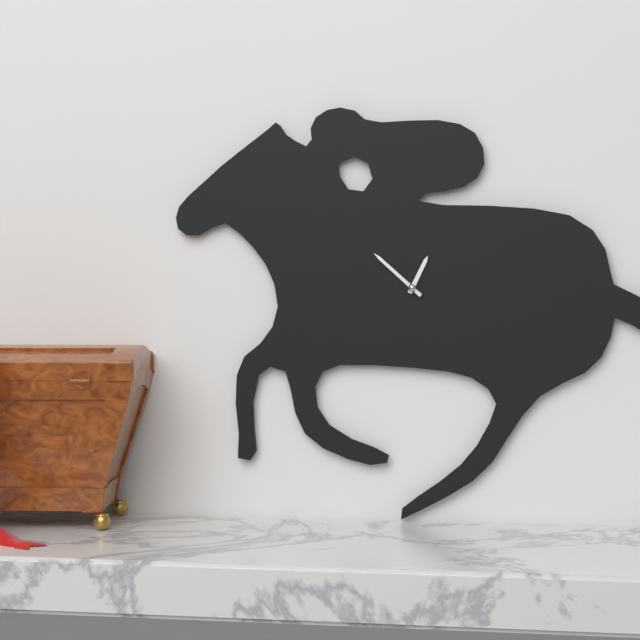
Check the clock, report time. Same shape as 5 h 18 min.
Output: 12 h 52 min
